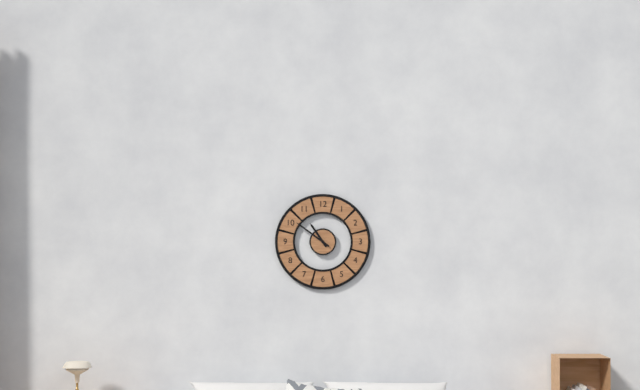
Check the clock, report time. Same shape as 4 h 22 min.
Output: 10 h 51 min
